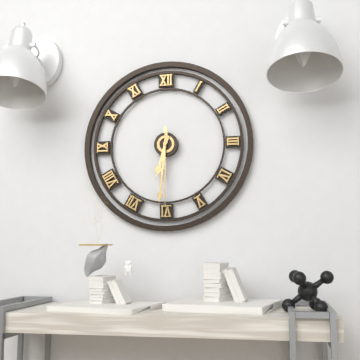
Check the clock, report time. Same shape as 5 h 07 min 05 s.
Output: 6 h 31 min 30 s
